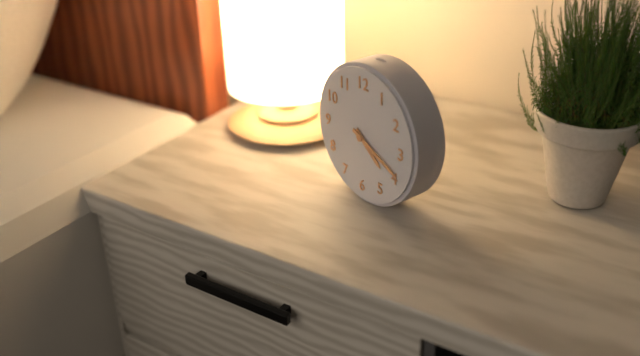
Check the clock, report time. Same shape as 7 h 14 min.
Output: 4 h 19 min
